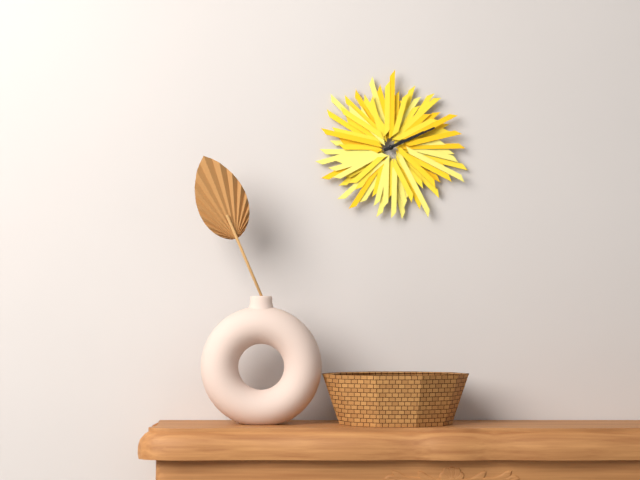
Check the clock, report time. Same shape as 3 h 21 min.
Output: 2 h 11 min
